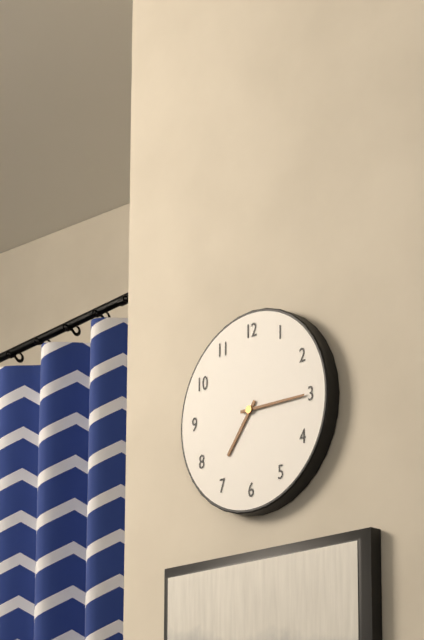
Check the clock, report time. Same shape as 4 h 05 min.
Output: 7 h 15 min
